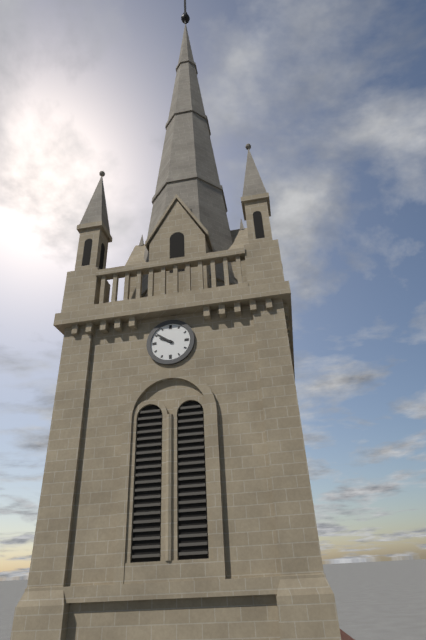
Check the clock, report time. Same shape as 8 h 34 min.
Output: 9 h 51 min
